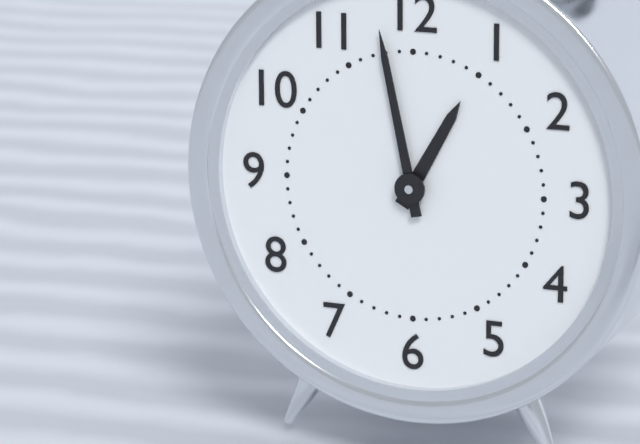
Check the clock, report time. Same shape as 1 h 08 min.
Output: 12 h 58 min
